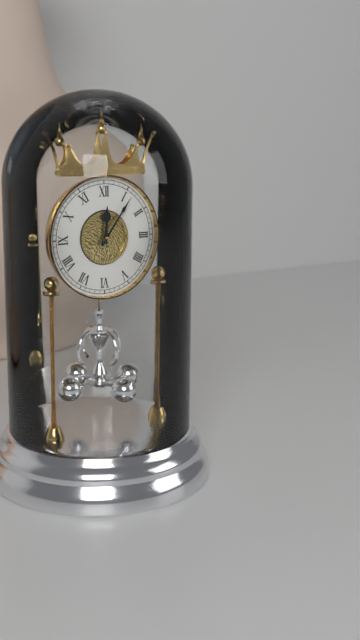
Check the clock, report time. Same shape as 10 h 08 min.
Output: 12 h 06 min
